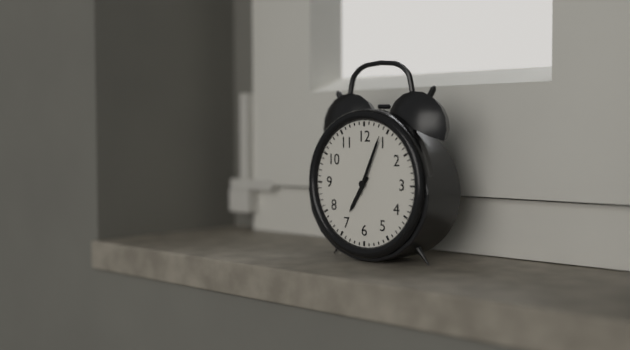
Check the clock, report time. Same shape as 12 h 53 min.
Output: 7 h 04 min
